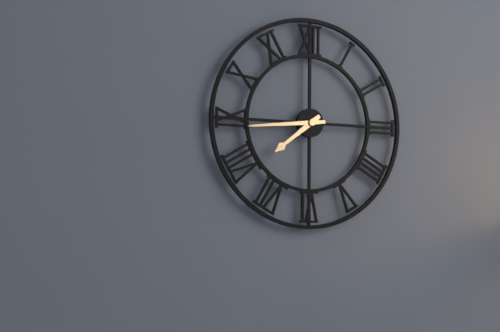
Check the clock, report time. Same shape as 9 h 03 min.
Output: 7 h 44 min
